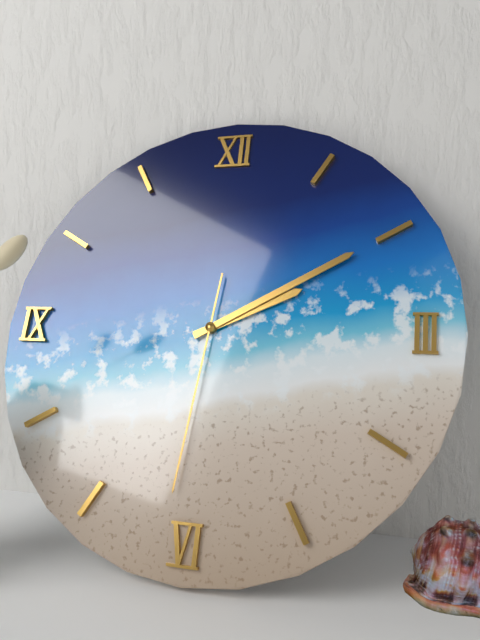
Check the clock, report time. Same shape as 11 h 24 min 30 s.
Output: 2 h 10 min 31 s
